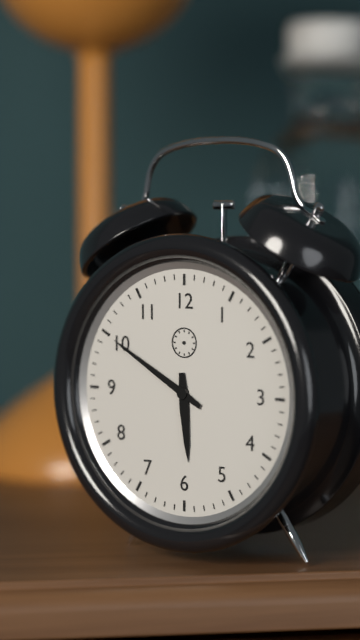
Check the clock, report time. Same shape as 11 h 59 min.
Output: 5 h 50 min
